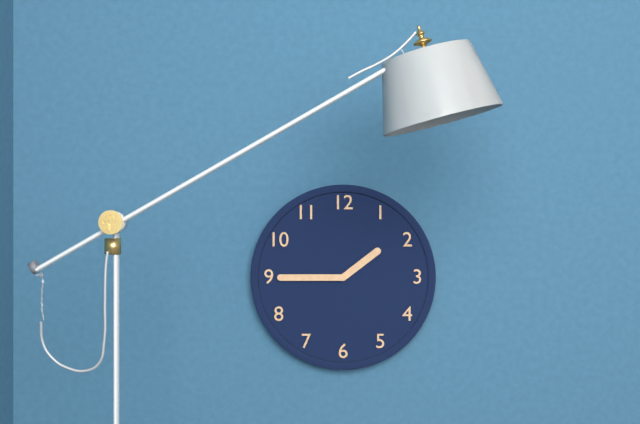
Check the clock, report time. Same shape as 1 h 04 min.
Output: 1 h 45 min
